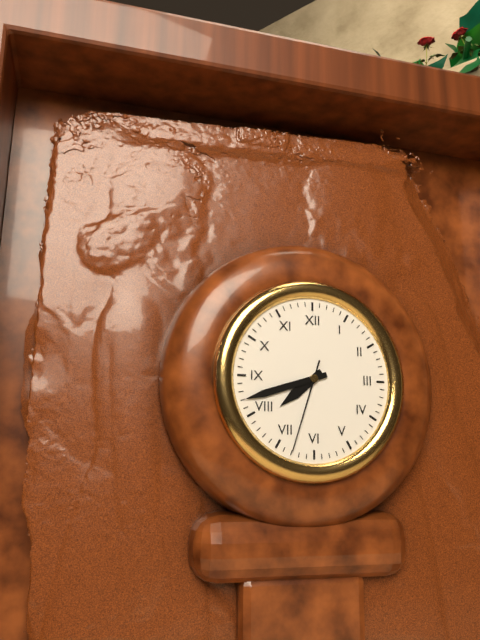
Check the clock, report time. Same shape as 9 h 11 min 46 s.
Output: 7 h 42 min 33 s
